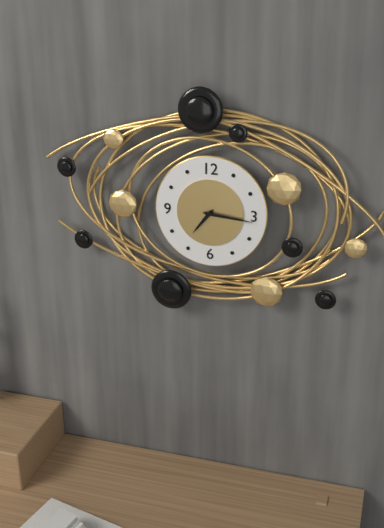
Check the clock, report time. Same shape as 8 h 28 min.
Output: 7 h 16 min
